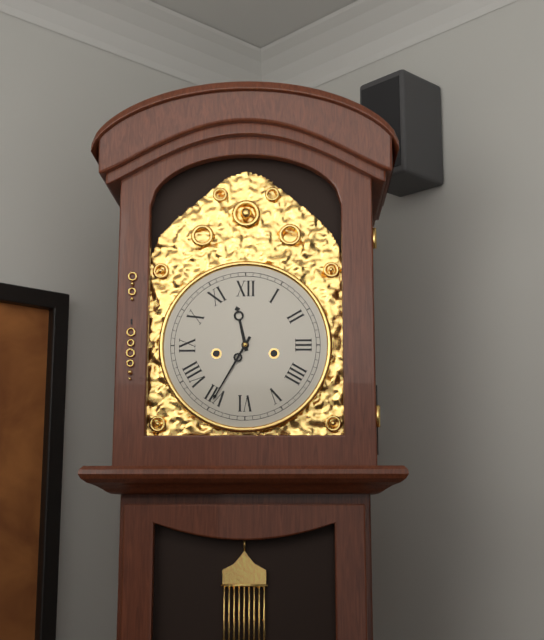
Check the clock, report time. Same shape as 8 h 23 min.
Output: 11 h 35 min
